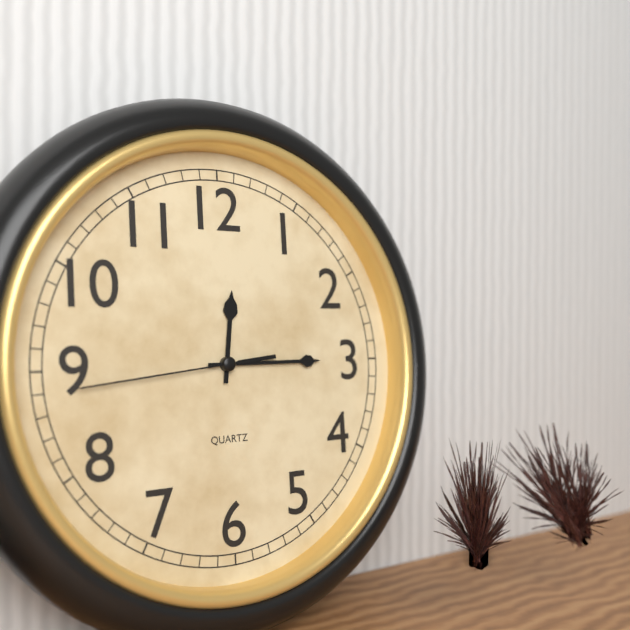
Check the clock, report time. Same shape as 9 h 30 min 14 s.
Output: 12 h 15 min 44 s
